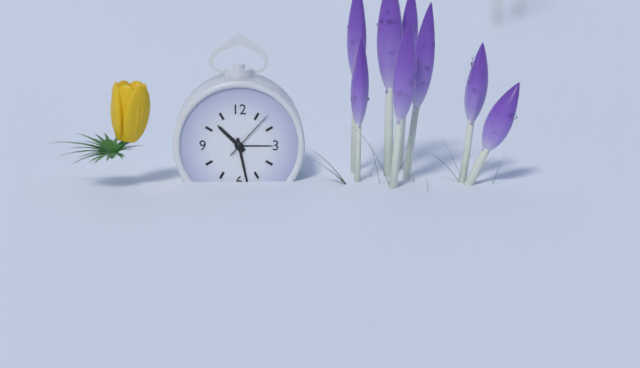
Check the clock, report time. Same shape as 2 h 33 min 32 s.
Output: 10 h 28 min 07 s
